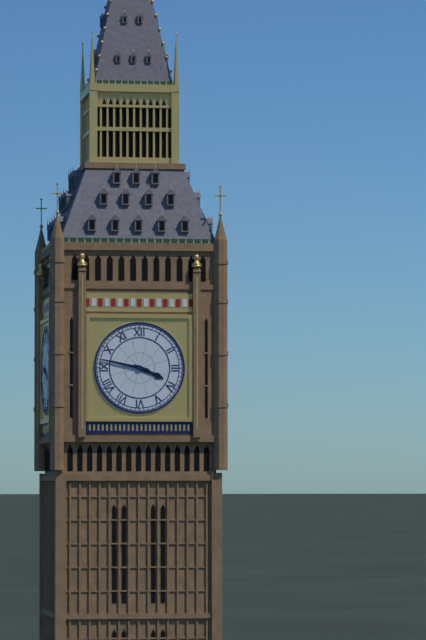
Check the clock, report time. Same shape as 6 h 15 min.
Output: 3 h 47 min
